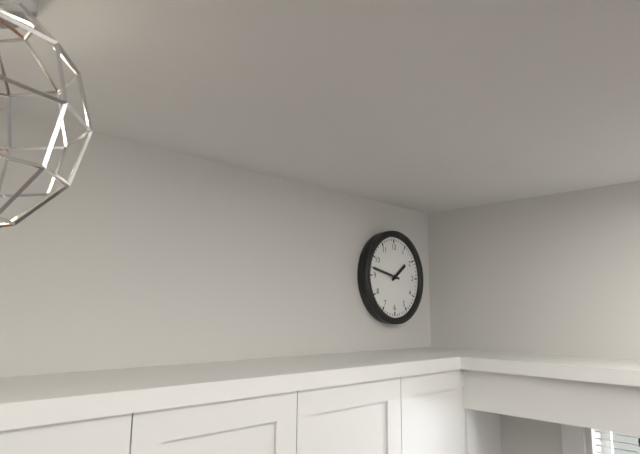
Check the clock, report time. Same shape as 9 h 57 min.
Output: 1 h 47 min
